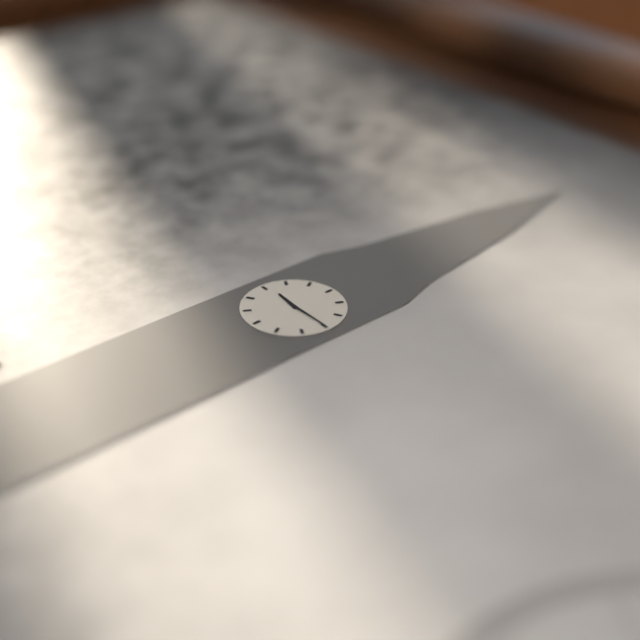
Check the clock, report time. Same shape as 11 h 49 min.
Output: 9 h 15 min
